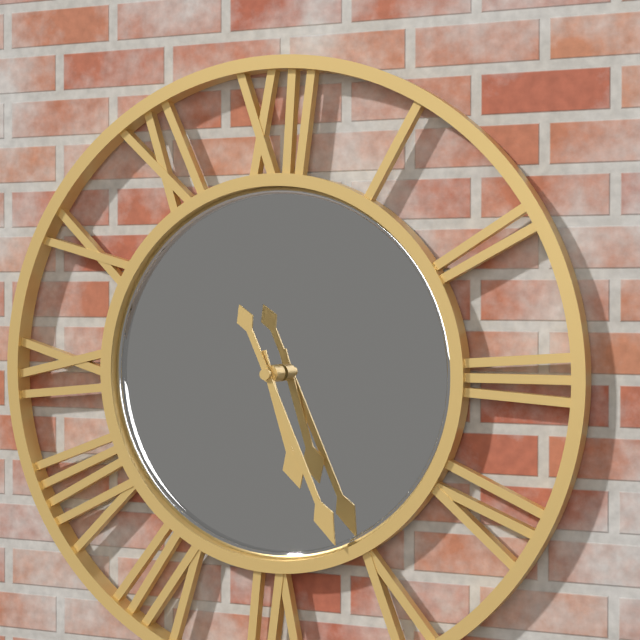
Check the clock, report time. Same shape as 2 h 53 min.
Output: 5 h 26 min
